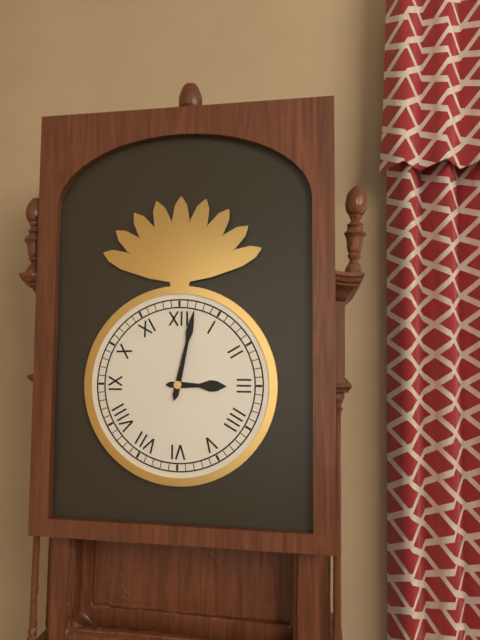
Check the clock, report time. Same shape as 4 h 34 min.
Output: 3 h 02 min
